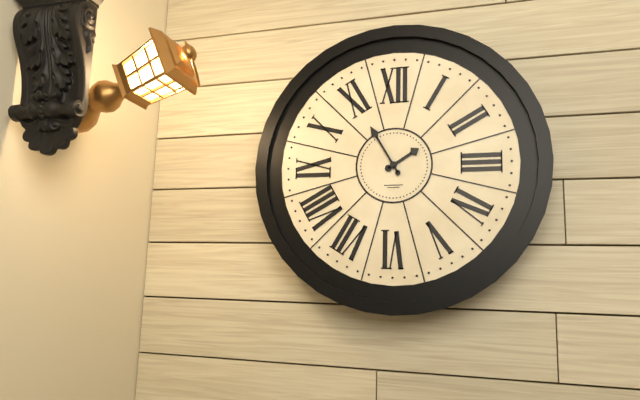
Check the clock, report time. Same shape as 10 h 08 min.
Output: 1 h 55 min
